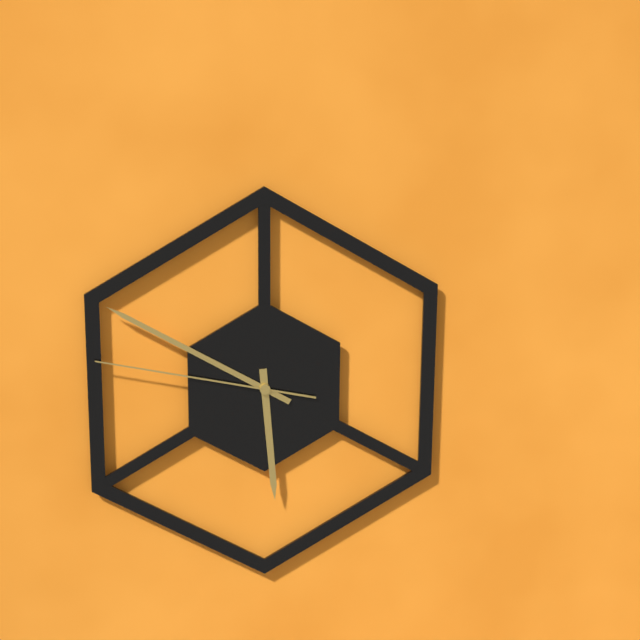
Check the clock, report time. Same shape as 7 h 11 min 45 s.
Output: 5 h 50 min 47 s
